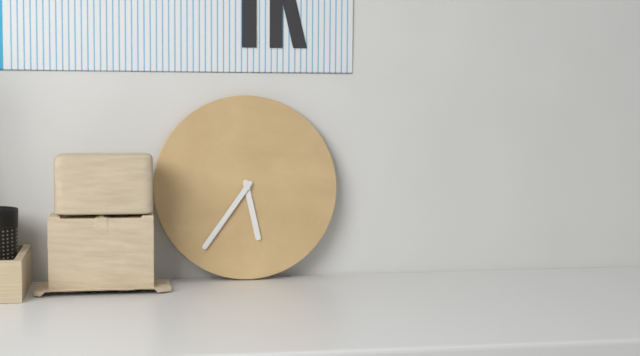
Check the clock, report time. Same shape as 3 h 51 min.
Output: 5 h 36 min
